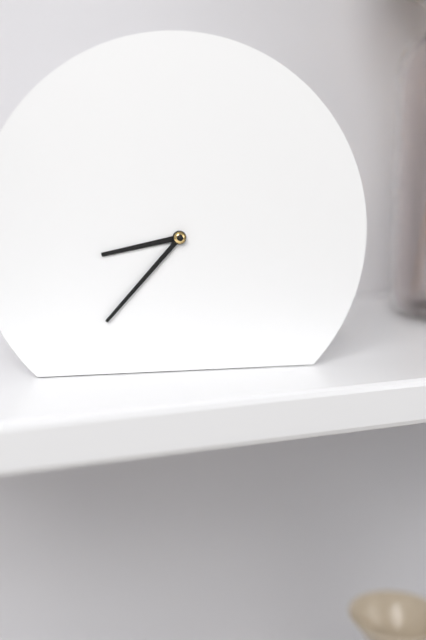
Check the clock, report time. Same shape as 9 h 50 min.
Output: 8 h 37 min
